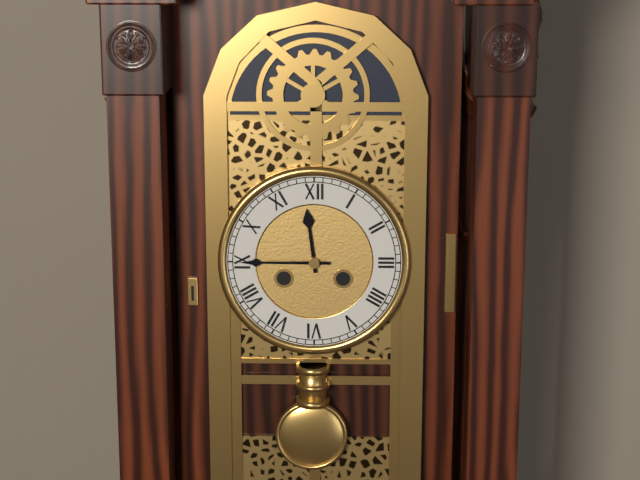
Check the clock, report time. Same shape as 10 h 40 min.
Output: 11 h 45 min
